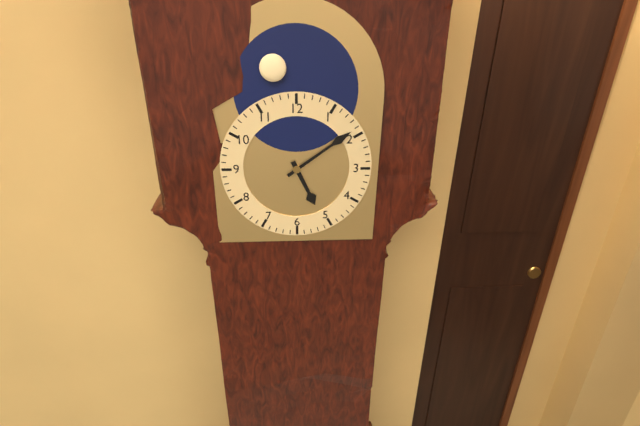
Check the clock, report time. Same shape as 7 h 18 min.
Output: 5 h 09 min
